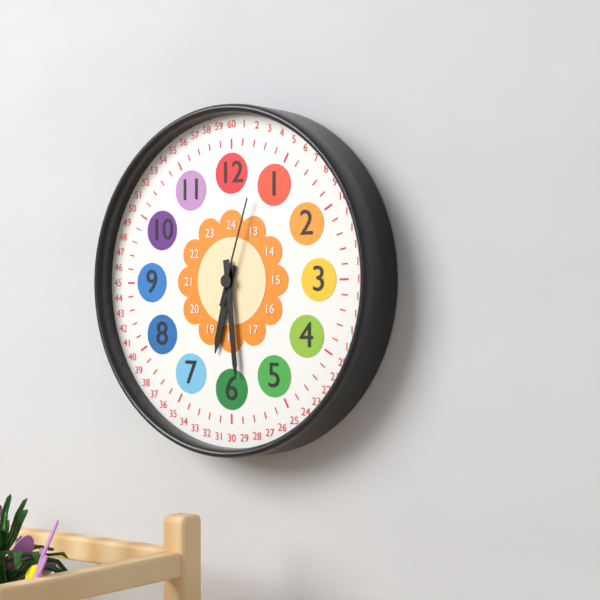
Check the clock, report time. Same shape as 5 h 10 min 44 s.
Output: 6 h 29 min 03 s
